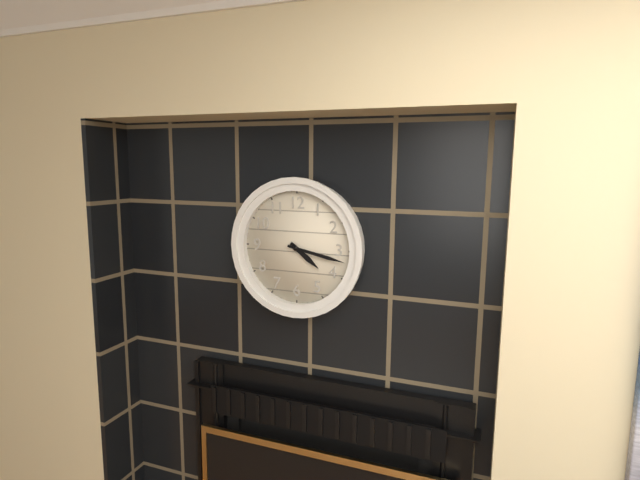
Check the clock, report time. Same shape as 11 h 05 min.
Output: 4 h 17 min
